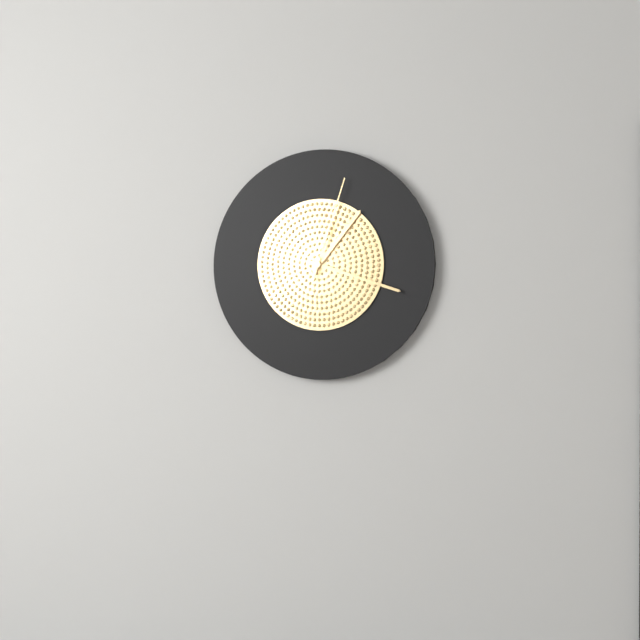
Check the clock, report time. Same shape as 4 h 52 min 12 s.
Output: 1 h 18 min 03 s
